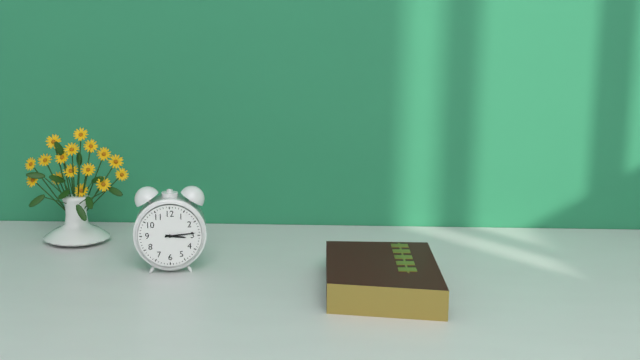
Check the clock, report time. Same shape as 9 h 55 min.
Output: 3 h 14 min
